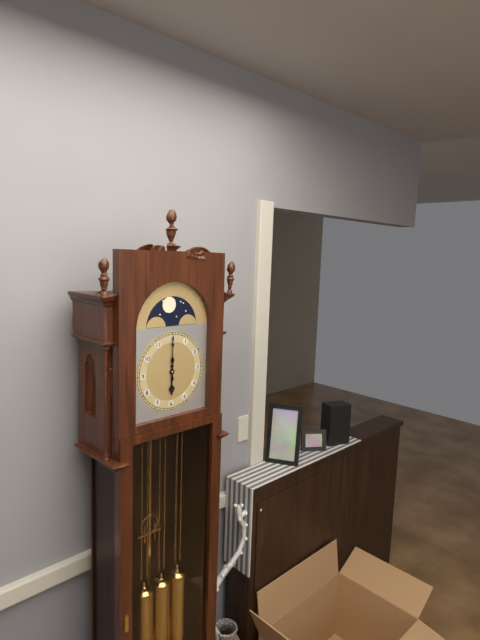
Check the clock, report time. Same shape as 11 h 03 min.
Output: 6 h 00 min
